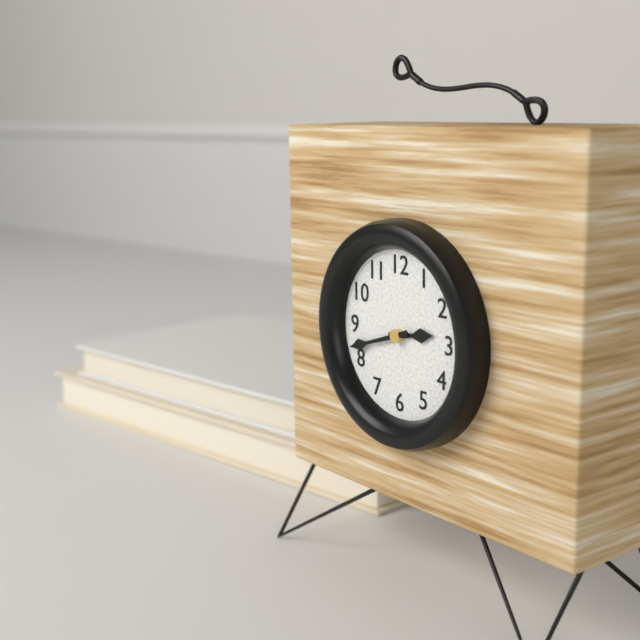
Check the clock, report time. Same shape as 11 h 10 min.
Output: 2 h 42 min
